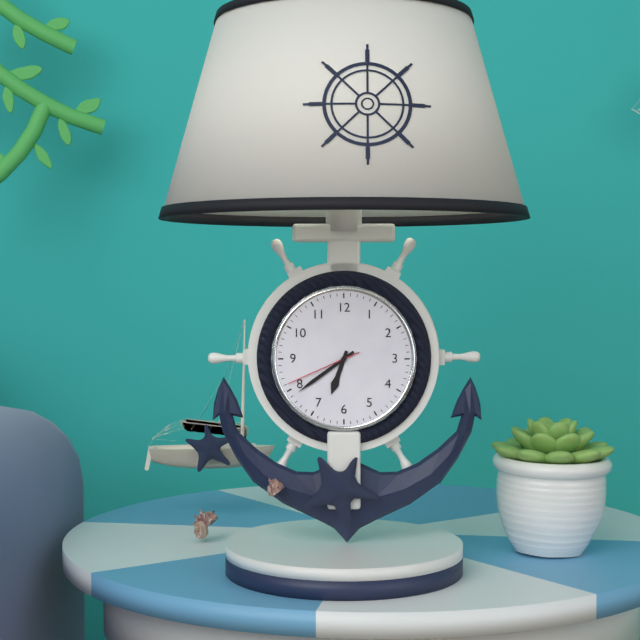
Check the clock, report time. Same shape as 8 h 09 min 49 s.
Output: 6 h 39 min 41 s
